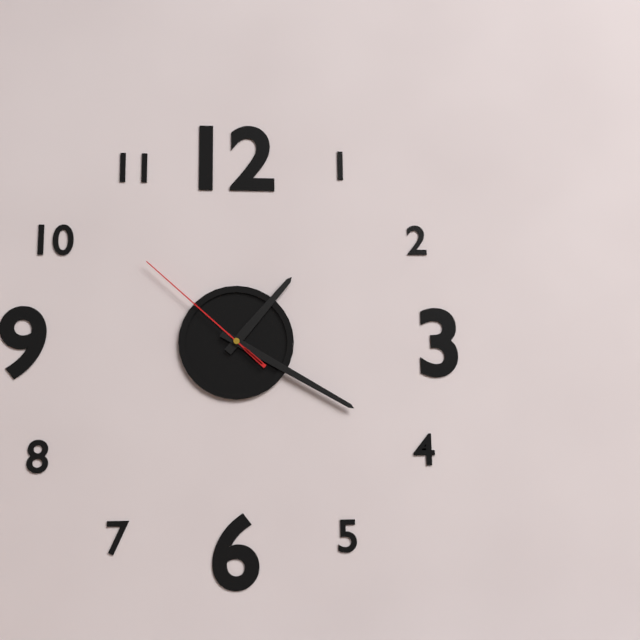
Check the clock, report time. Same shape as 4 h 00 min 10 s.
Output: 1 h 20 min 52 s
